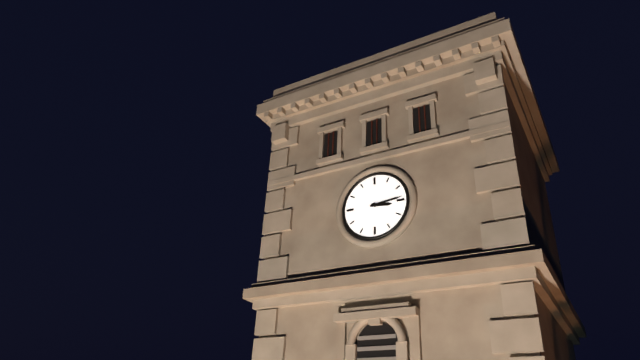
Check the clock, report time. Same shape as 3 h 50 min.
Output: 3 h 14 min
